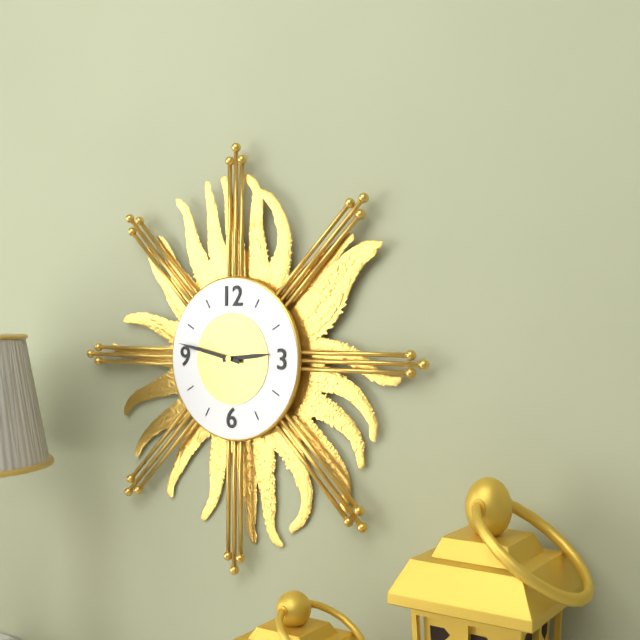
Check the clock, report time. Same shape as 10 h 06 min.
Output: 2 h 47 min
